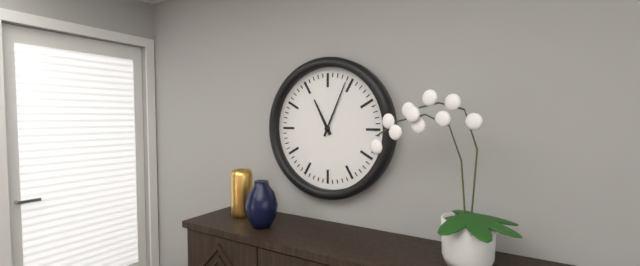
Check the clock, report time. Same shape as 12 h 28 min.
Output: 11 h 04 min
